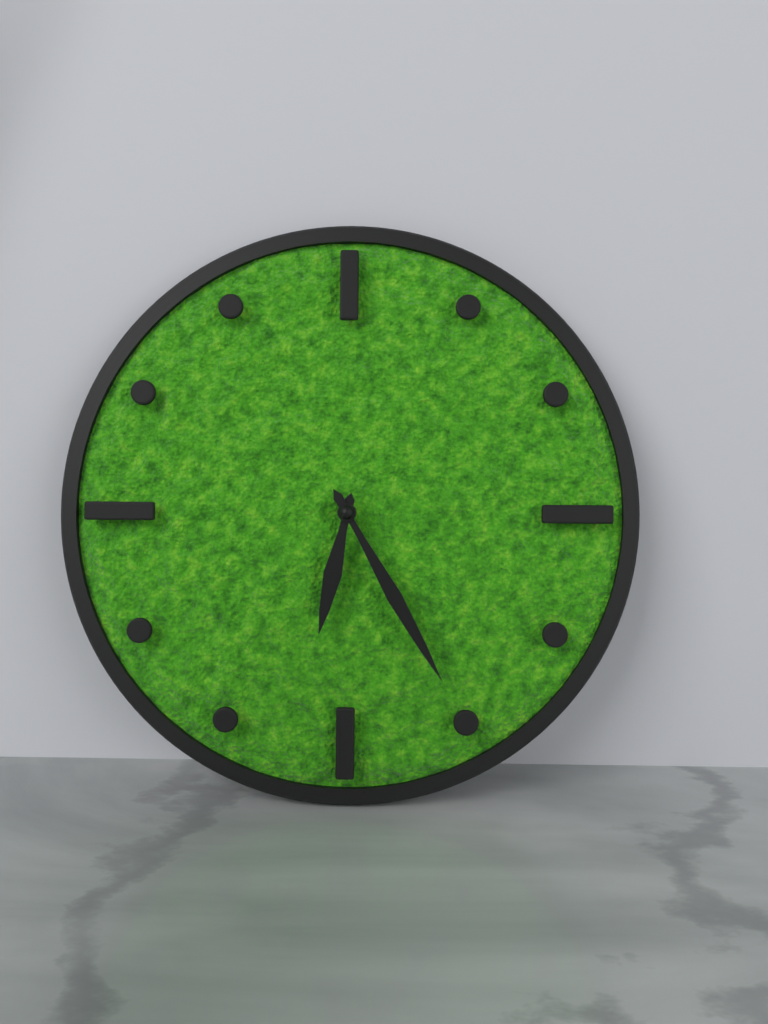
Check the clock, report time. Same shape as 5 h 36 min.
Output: 6 h 25 min
